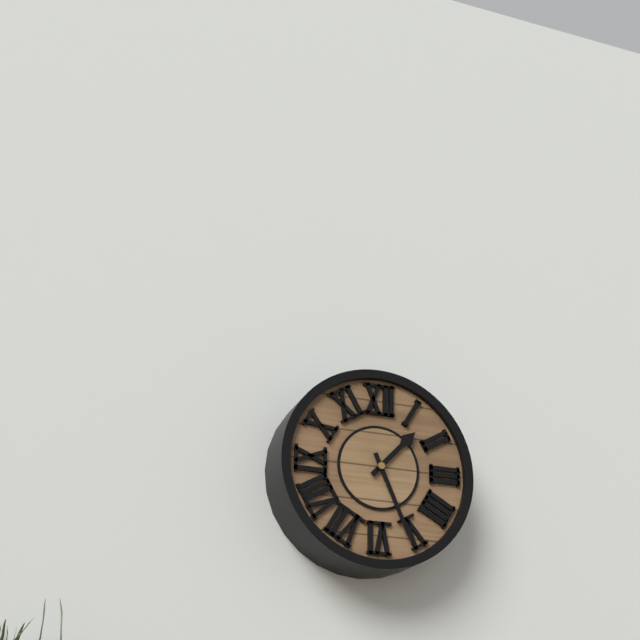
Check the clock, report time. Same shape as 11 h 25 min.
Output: 1 h 26 min
